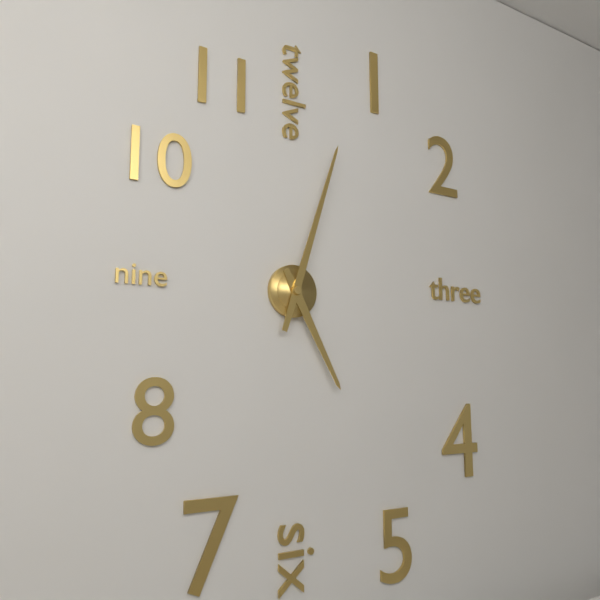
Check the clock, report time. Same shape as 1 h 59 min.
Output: 5 h 03 min
